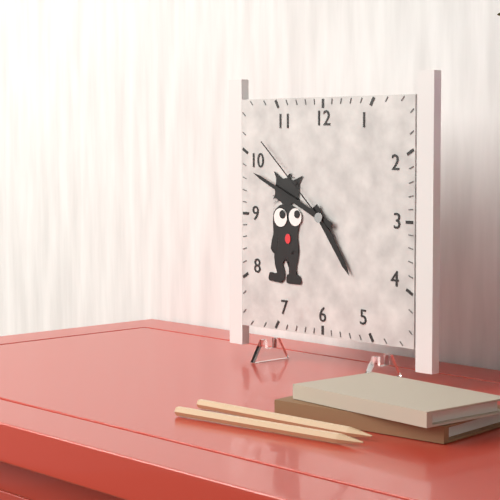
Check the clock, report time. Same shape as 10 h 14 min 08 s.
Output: 4 h 49 min 52 s
